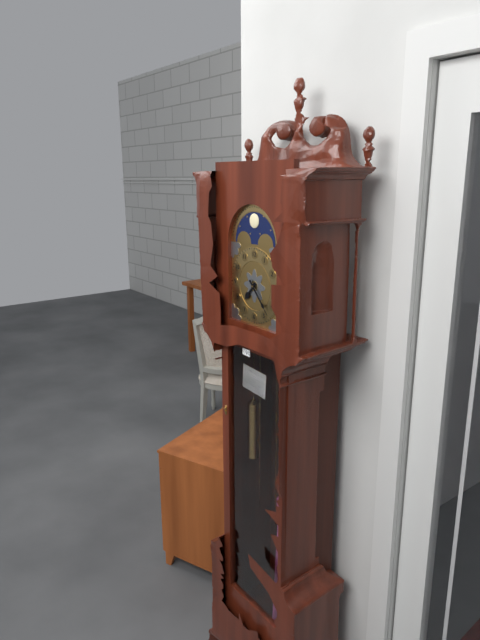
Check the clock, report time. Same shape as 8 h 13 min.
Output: 7 h 23 min
